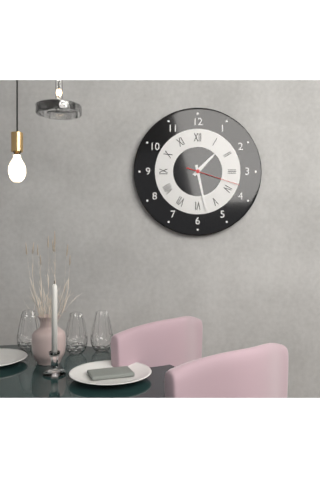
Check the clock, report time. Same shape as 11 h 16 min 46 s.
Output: 1 h 28 min 18 s
